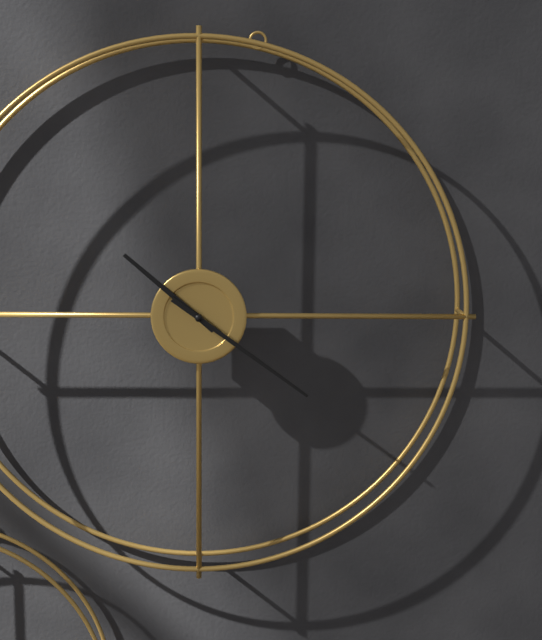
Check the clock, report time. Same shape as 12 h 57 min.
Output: 10 h 21 min
